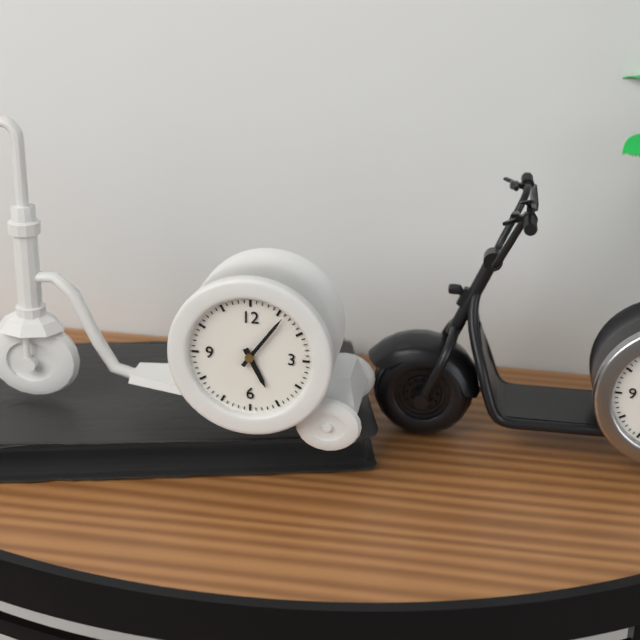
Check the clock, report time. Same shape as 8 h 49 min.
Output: 5 h 06 min
